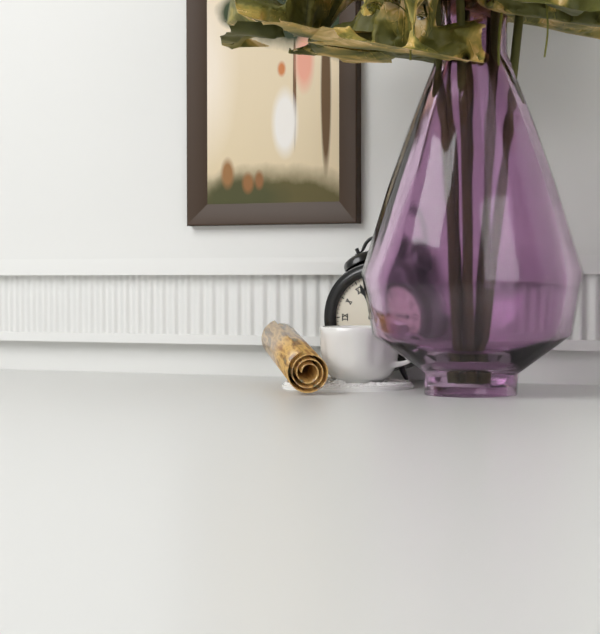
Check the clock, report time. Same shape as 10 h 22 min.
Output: 2 h 56 min
